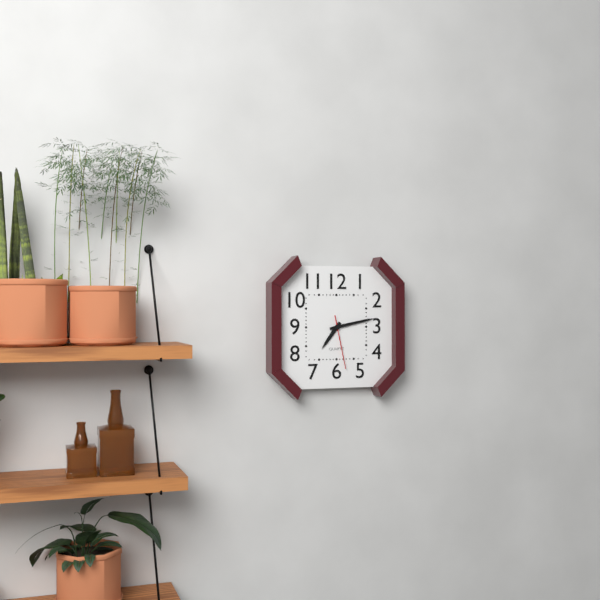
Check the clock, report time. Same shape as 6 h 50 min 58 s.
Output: 7 h 13 min 28 s
